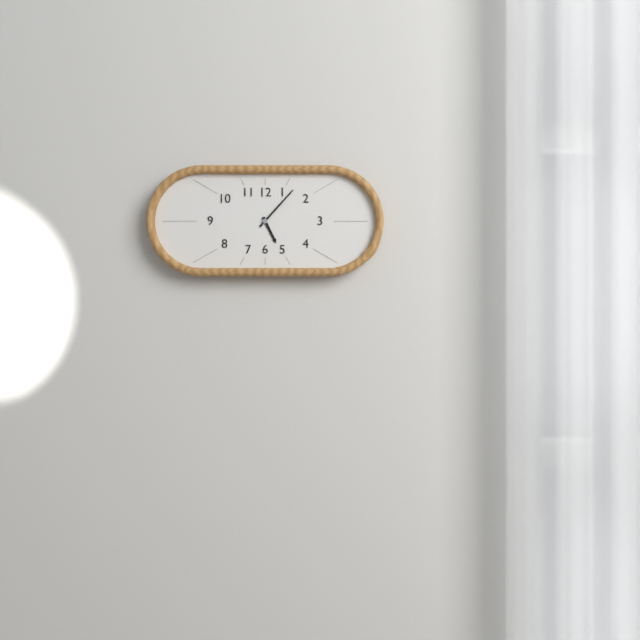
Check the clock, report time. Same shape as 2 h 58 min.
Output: 5 h 07 min
